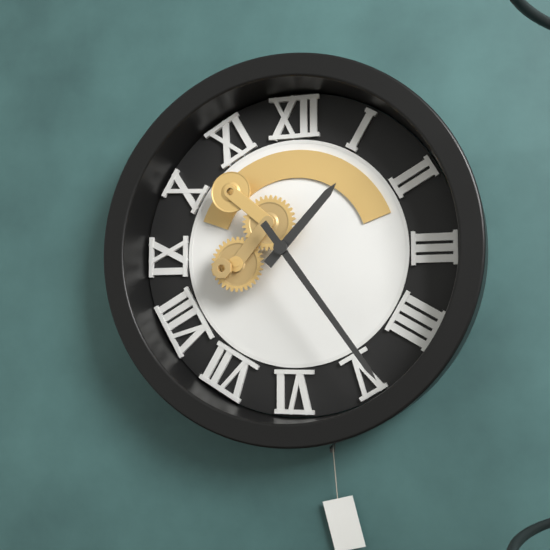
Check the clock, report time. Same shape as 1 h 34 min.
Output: 1 h 24 min
